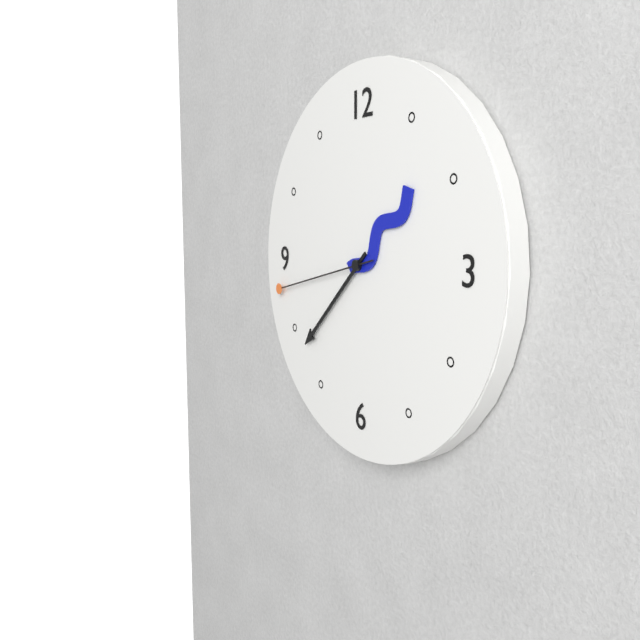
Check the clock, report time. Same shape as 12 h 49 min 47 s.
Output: 1 h 38 min 43 s
